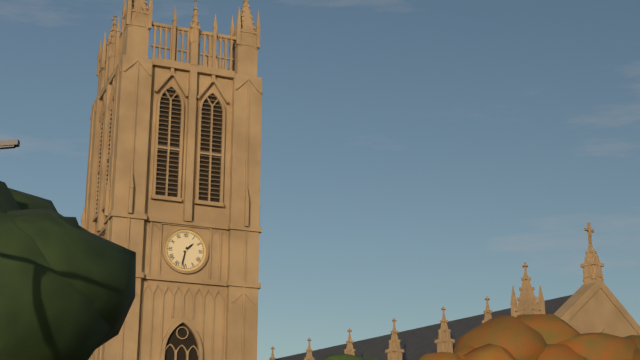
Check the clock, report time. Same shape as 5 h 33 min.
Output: 1 h 32 min
